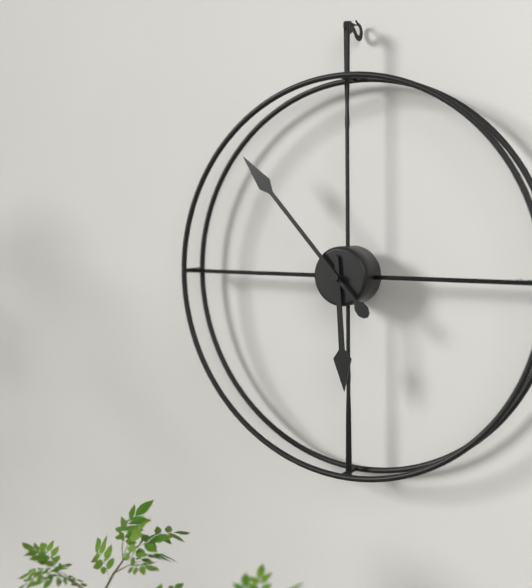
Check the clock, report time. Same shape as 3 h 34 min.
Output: 5 h 53 min
